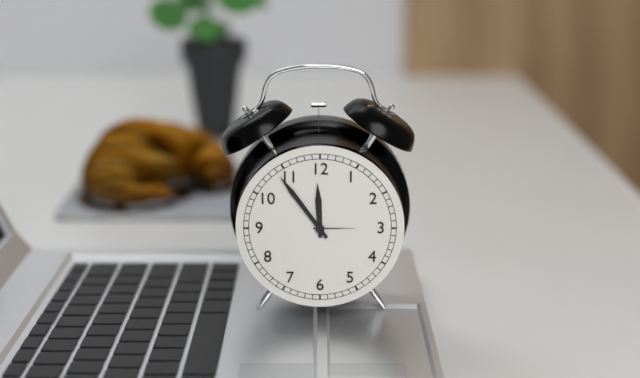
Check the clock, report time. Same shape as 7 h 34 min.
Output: 11 h 54 min
